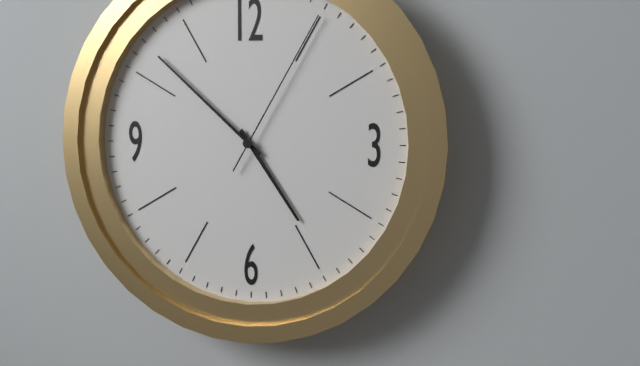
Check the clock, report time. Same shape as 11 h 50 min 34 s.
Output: 4 h 52 min 05 s
